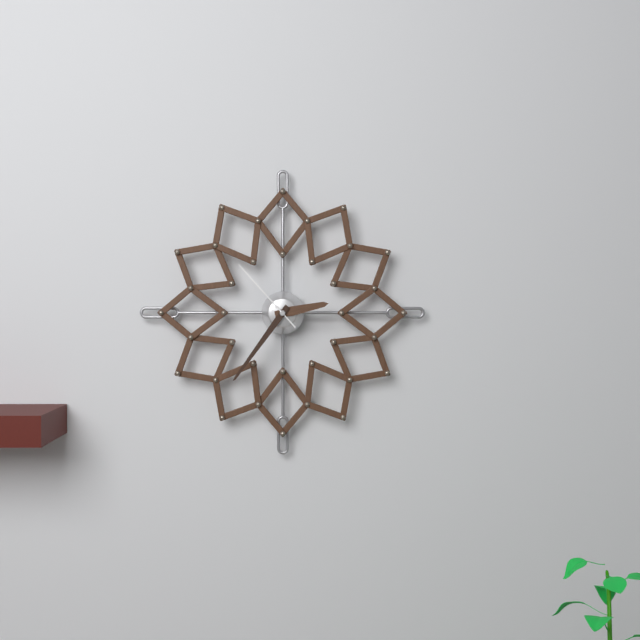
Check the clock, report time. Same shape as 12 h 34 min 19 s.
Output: 2 h 36 min 53 s
